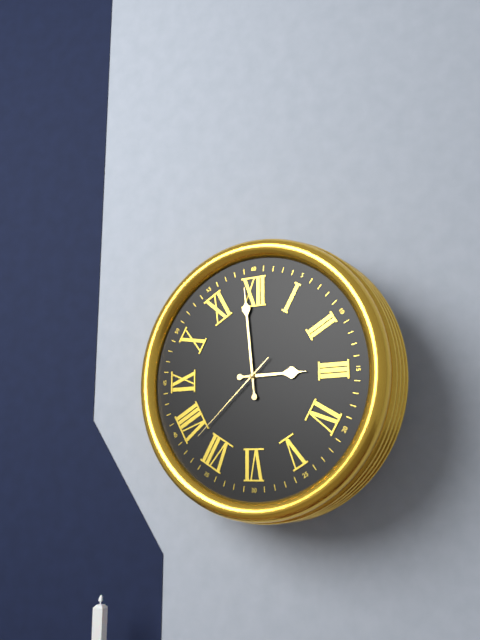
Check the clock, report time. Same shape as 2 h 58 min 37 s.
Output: 2 h 59 min 38 s
